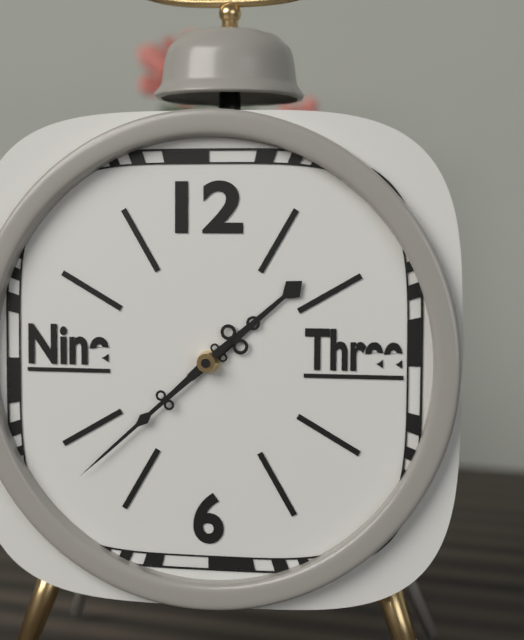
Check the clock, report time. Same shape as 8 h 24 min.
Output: 1 h 38 min
